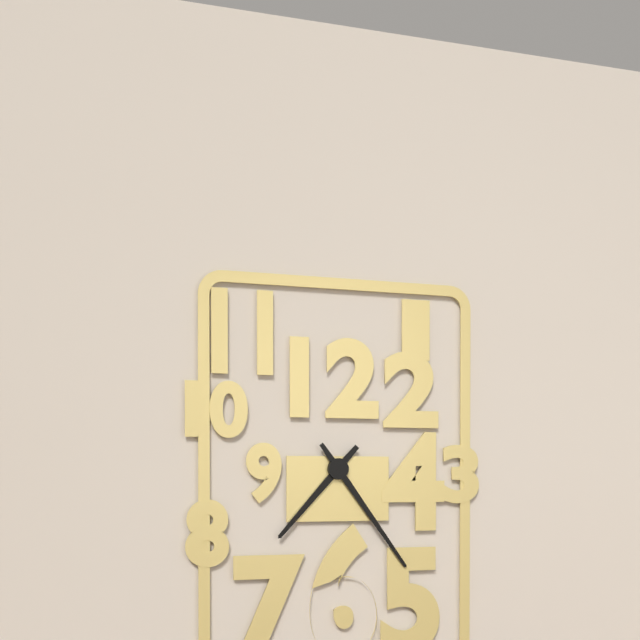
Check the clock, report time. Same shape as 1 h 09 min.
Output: 7 h 24 min
